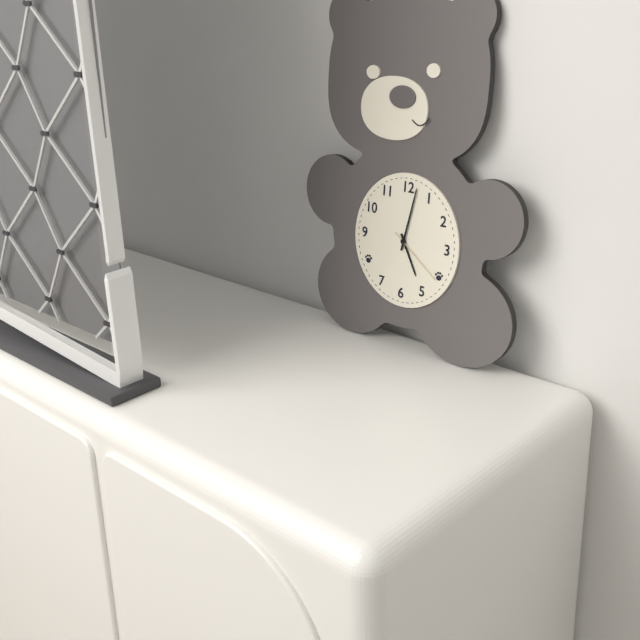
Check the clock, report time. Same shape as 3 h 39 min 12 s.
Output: 5 h 02 min 21 s
